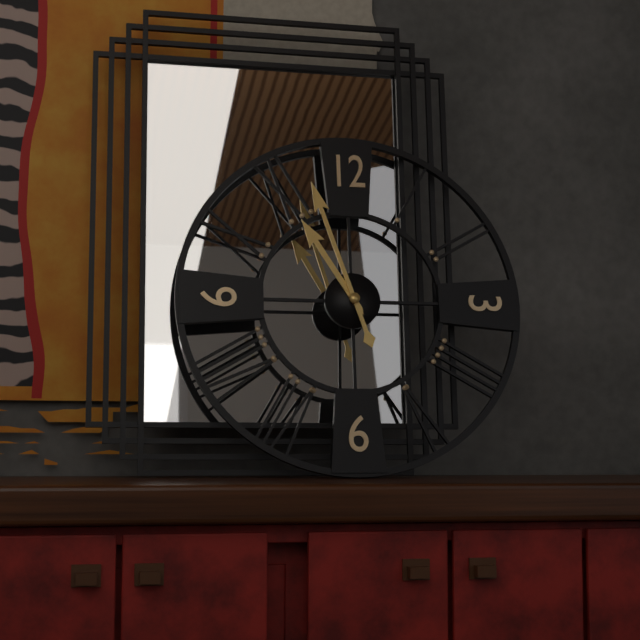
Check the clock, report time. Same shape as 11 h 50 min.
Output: 10 h 57 min
